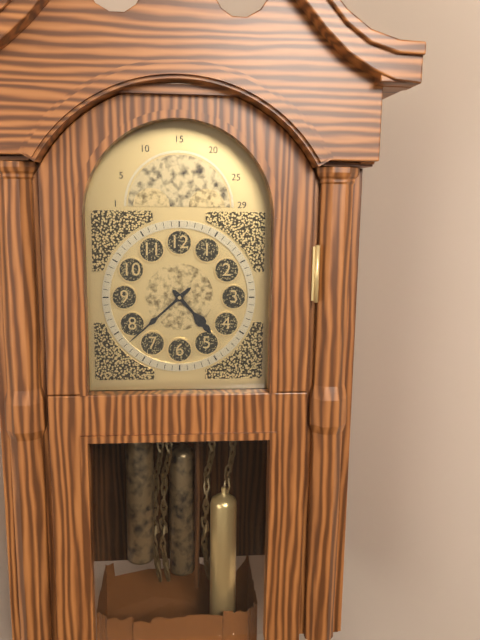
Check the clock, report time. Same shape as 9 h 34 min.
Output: 4 h 38 min
